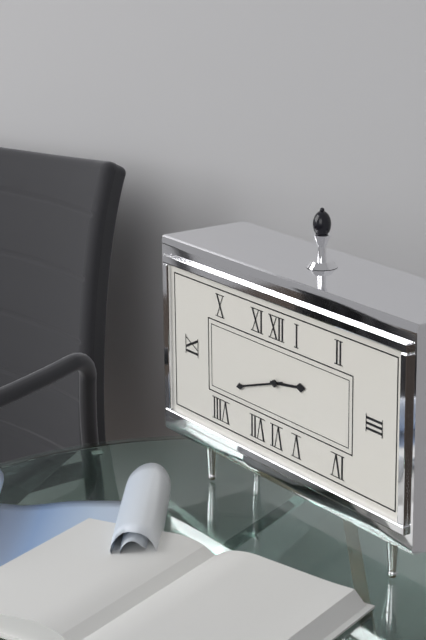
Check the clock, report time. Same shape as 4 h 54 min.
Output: 2 h 42 min
